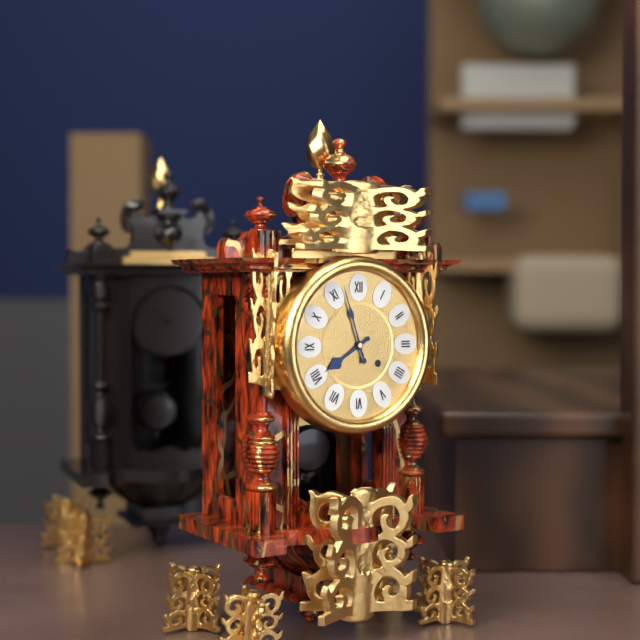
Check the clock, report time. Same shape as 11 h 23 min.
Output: 7 h 57 min
